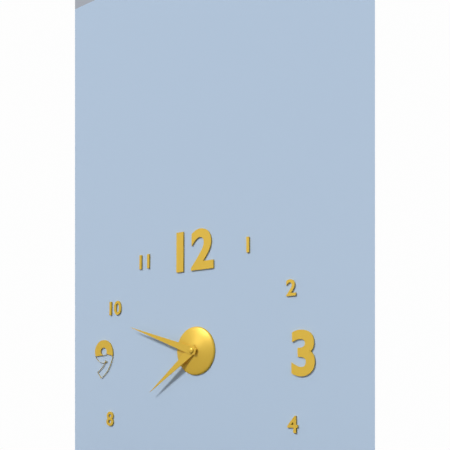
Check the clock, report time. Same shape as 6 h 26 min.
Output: 7 h 48 min
